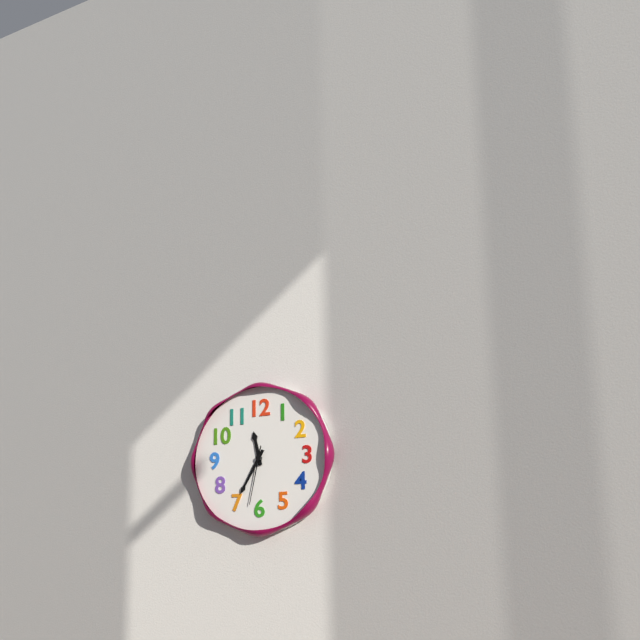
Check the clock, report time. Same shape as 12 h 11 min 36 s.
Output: 11 h 35 min 32 s
